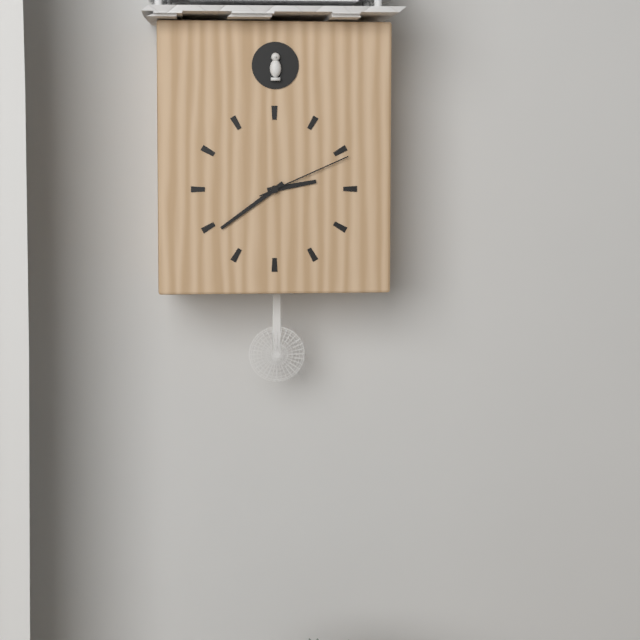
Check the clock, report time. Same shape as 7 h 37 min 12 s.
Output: 2 h 39 min 11 s
